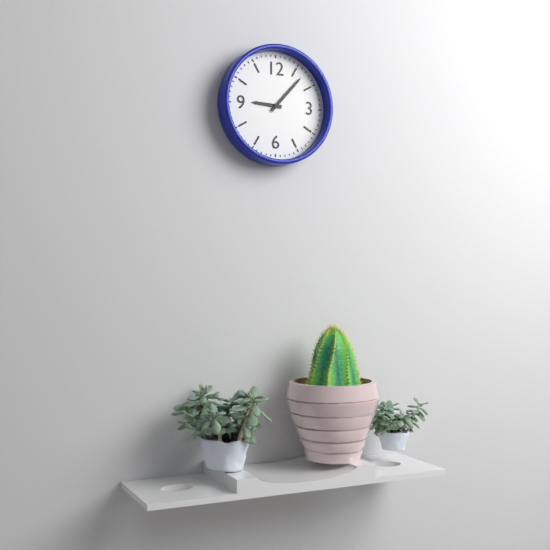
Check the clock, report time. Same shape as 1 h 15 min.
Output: 9 h 07 min
